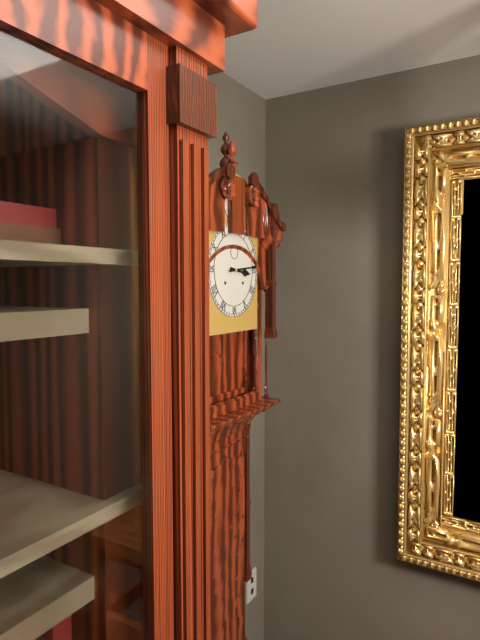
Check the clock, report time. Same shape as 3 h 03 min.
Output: 3 h 14 min
